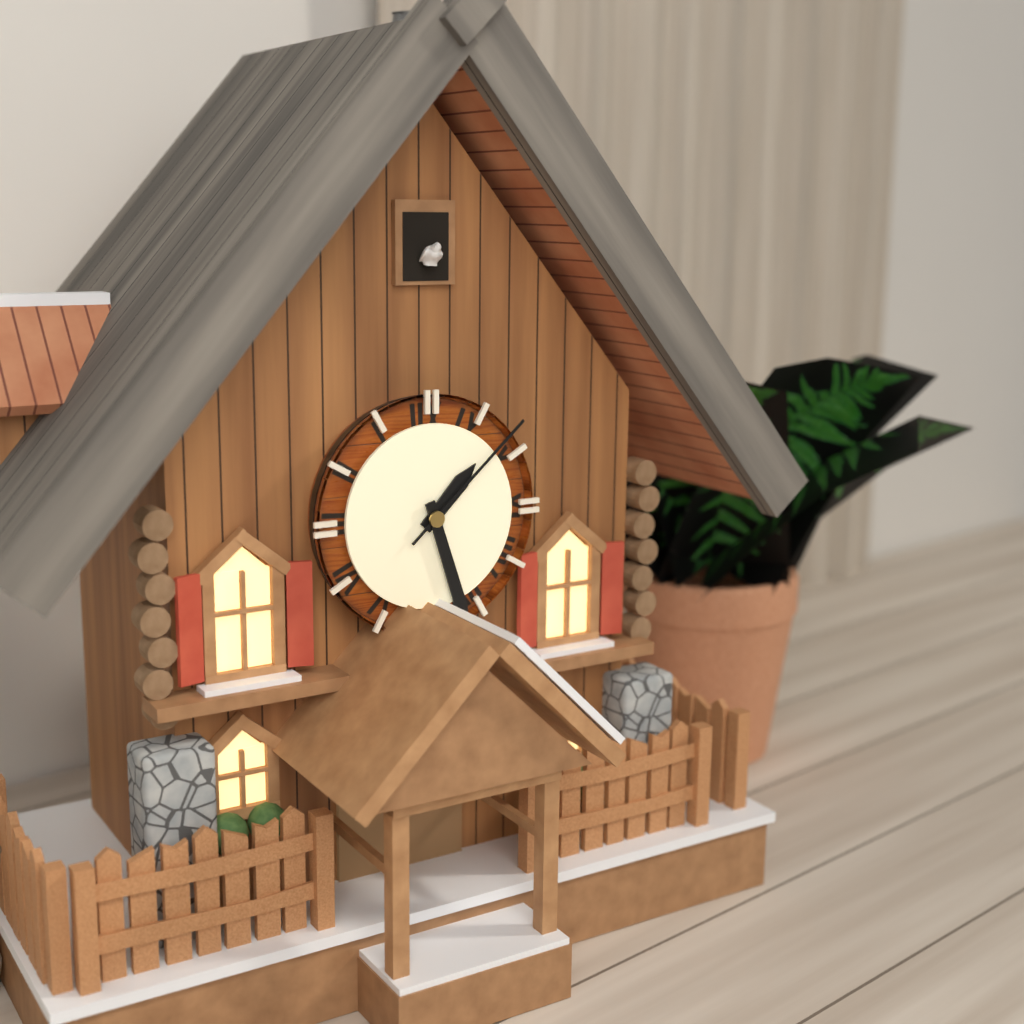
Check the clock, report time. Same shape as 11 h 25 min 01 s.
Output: 1 h 27 min 08 s
